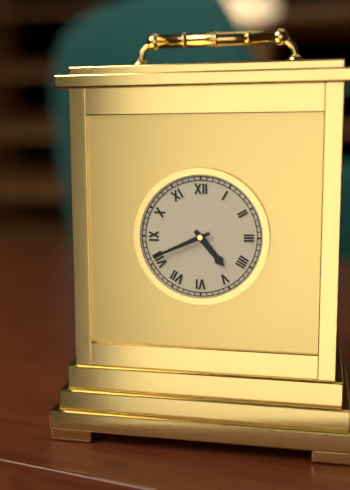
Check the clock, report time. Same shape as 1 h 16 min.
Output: 4 h 41 min
